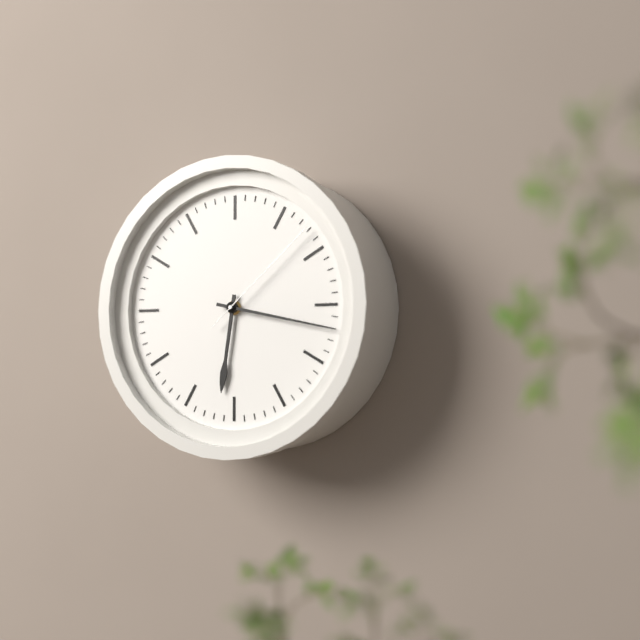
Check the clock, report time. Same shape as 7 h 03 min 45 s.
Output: 6 h 17 min 08 s
